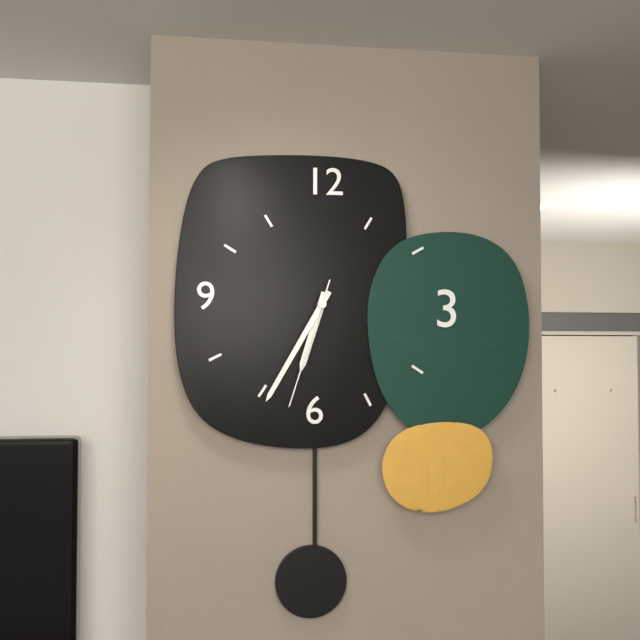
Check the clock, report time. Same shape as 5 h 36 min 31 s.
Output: 6 h 35 min 33 s
